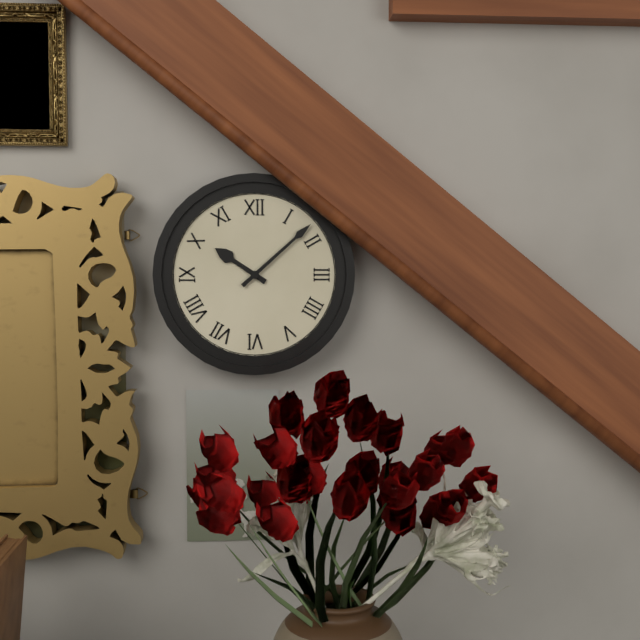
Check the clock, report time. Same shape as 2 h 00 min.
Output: 10 h 08 min
